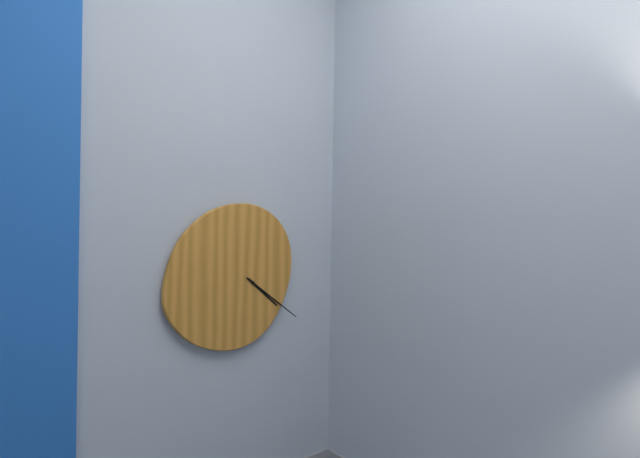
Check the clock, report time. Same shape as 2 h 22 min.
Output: 4 h 21 min
